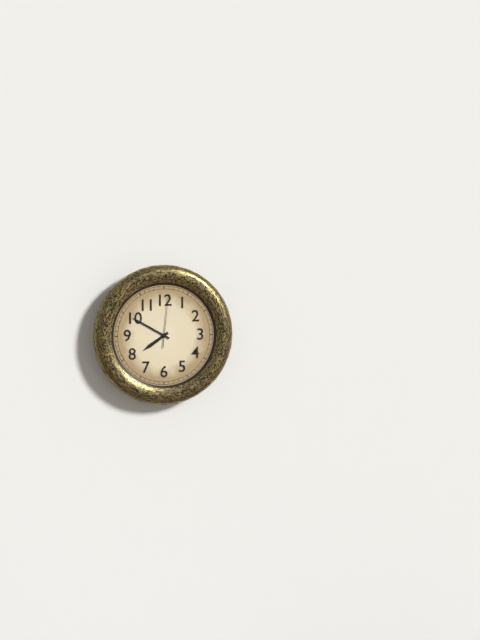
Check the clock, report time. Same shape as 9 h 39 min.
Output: 7 h 50 min
